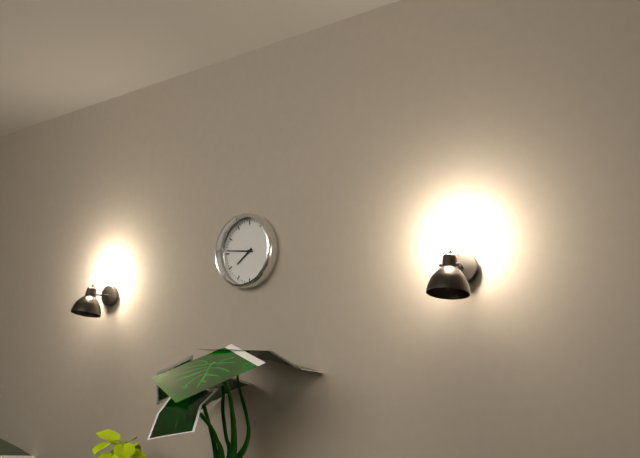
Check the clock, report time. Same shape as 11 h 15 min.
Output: 7 h 46 min
